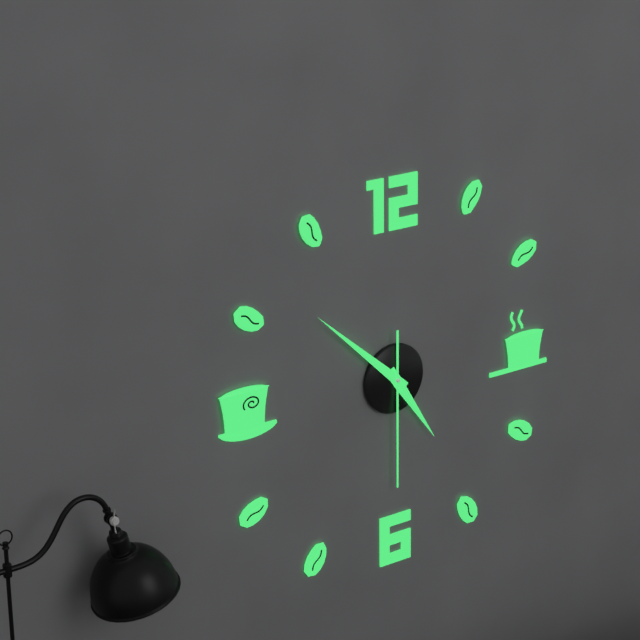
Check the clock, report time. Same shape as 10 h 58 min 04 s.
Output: 4 h 52 min 30 s
